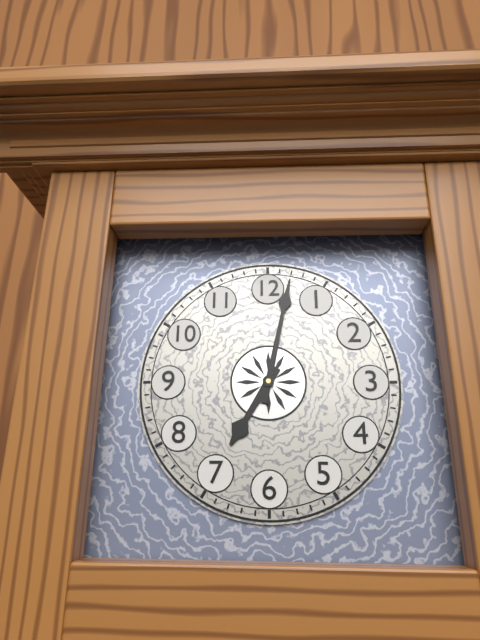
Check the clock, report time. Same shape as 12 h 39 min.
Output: 7 h 02 min
